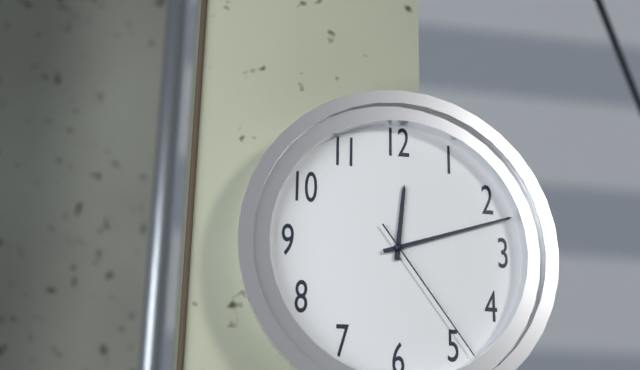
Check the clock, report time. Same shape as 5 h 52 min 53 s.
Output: 12 h 12 min 24 s
